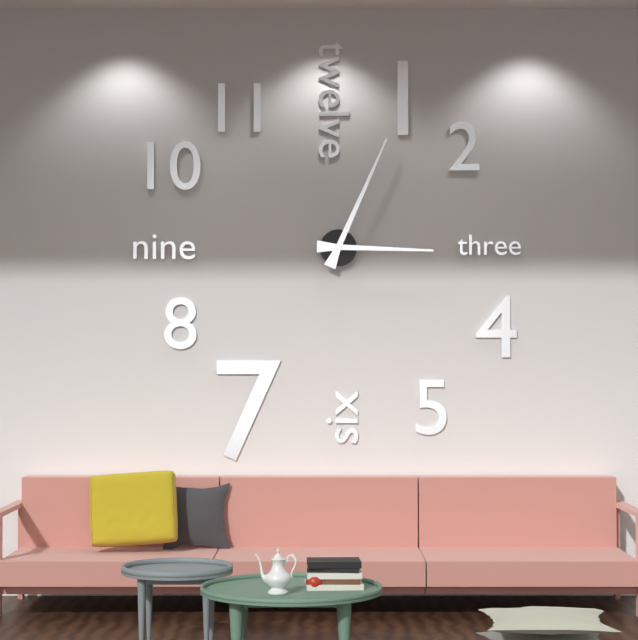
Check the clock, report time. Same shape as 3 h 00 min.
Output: 3 h 04 min
